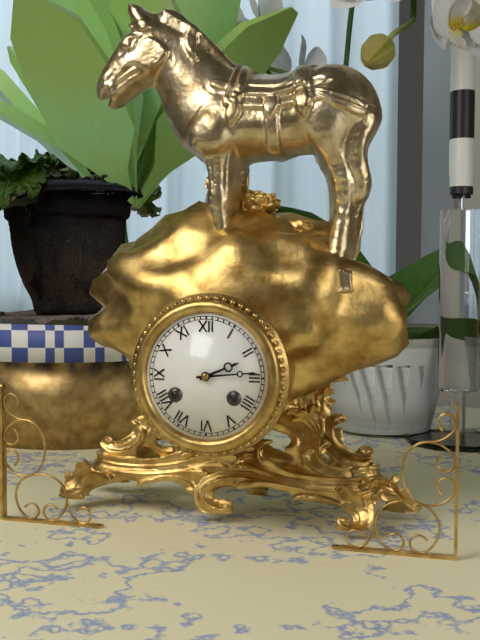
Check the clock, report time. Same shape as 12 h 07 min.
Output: 2 h 14 min
